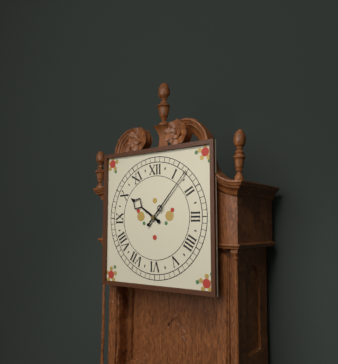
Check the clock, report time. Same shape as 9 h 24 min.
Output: 10 h 07 min
